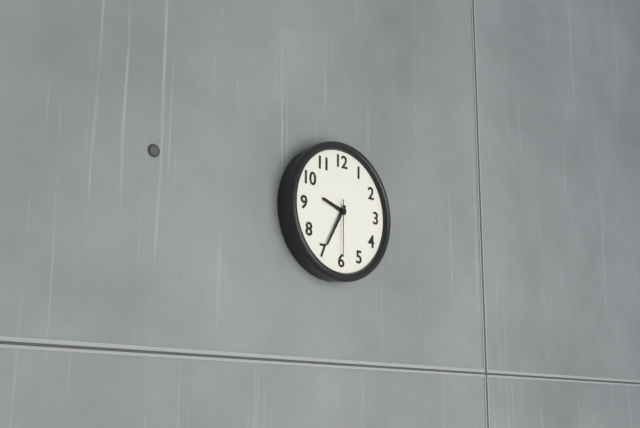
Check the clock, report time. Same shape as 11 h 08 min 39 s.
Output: 9 h 35 min 30 s
